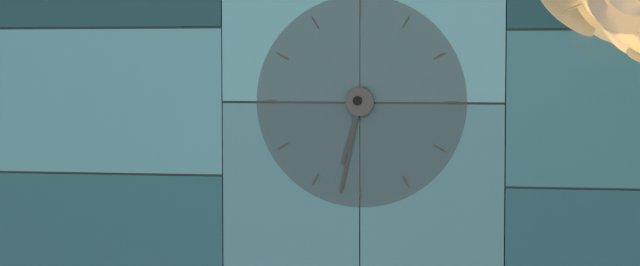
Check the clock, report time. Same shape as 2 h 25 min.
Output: 6 h 32 min
